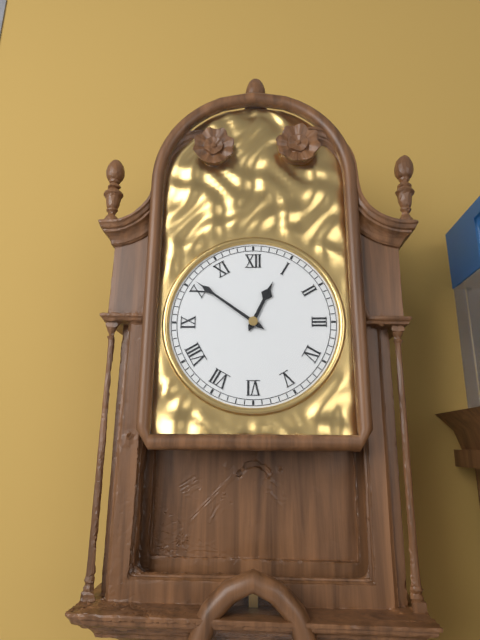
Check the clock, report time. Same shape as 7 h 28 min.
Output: 12 h 51 min
